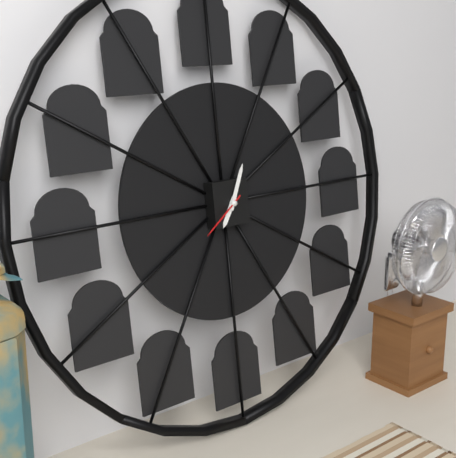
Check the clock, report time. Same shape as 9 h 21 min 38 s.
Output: 7 h 04 min 39 s
